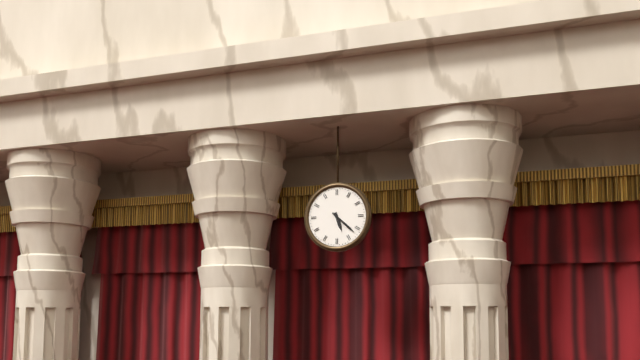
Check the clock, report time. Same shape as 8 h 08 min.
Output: 5 h 22 min
